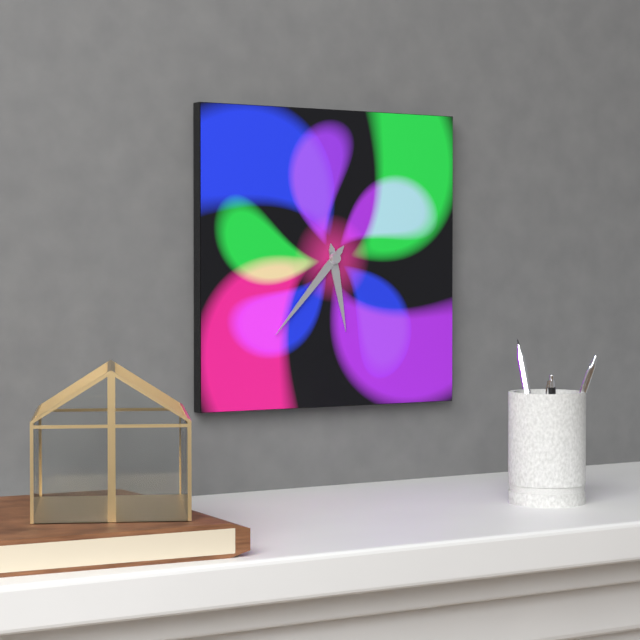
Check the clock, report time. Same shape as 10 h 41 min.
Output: 5 h 37 min
